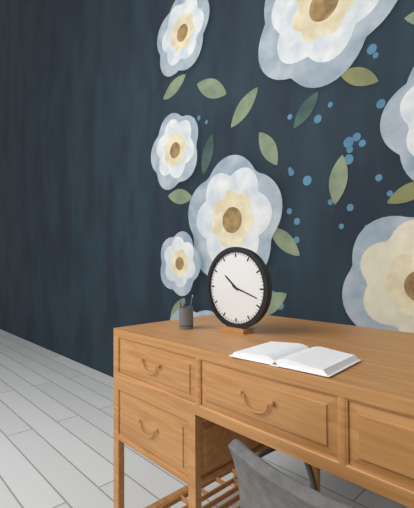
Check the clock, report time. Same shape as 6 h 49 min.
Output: 10 h 18 min
